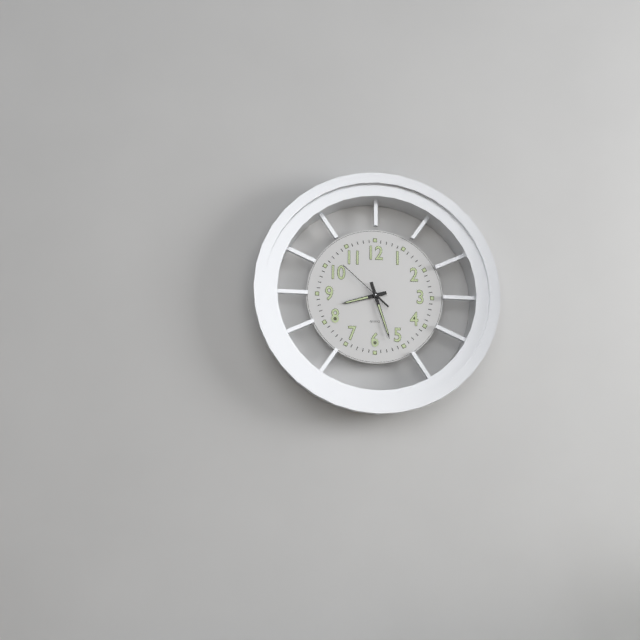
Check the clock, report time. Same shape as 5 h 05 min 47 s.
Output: 8 h 27 min 52 s
